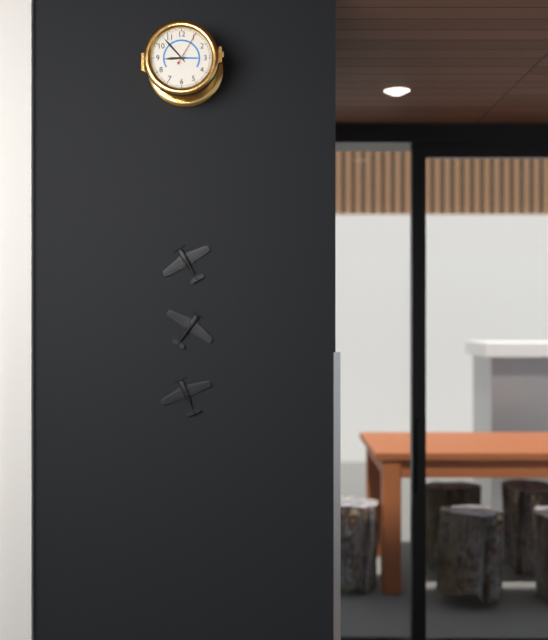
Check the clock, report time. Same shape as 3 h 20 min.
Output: 8 h 53 min
